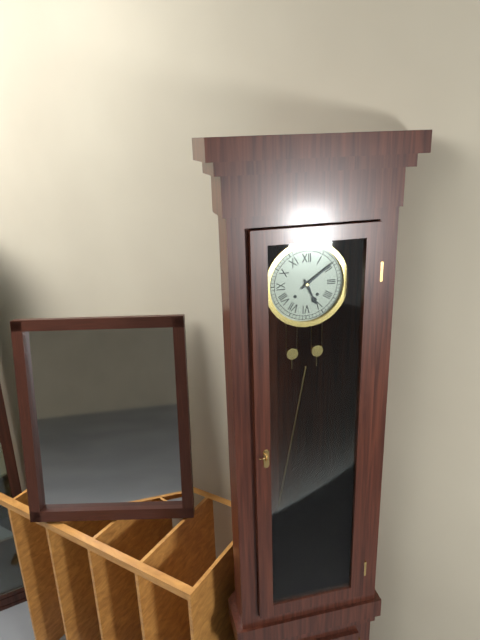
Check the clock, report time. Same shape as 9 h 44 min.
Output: 5 h 09 min
